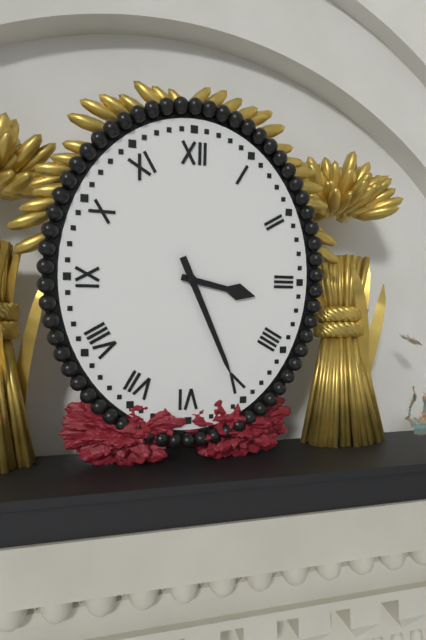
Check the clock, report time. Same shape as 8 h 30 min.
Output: 3 h 26 min
